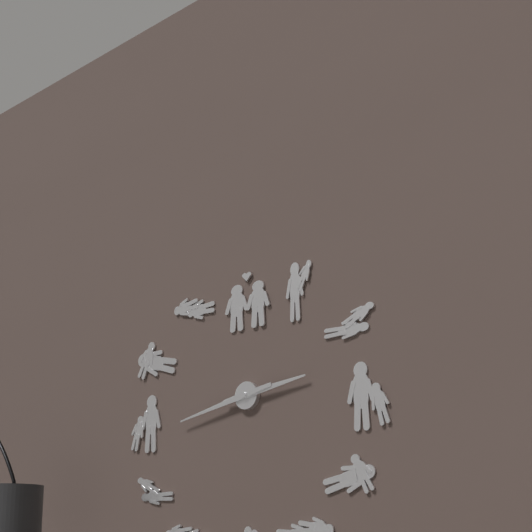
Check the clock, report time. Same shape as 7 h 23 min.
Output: 2 h 43 min
